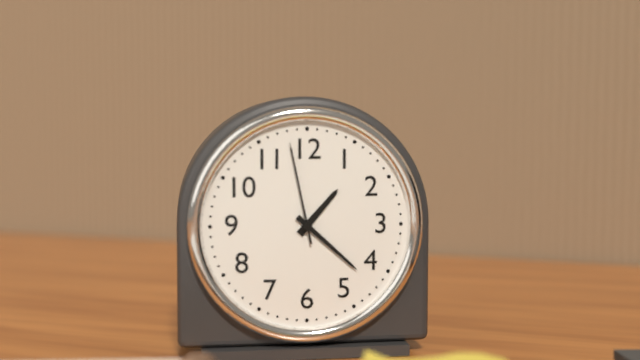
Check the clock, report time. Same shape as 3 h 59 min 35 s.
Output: 1 h 22 min 58 s
